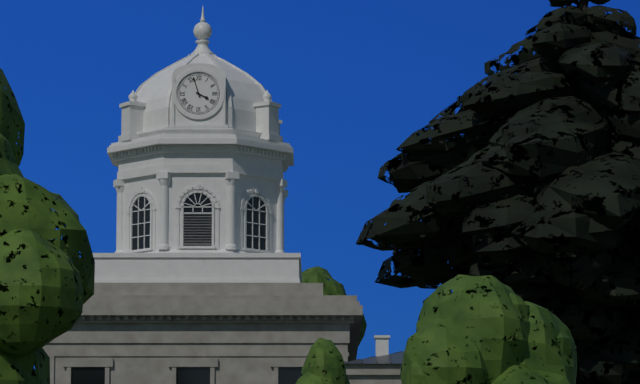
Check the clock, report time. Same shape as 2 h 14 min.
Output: 3 h 57 min
